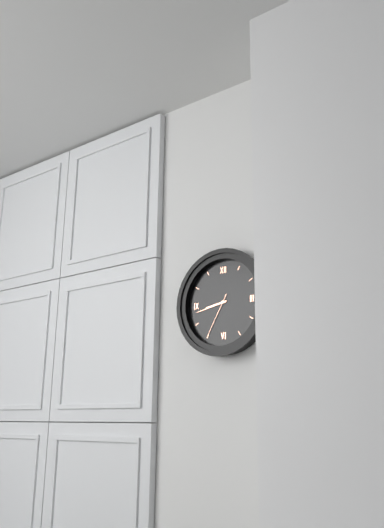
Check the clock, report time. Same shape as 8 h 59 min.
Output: 8 h 43 min
